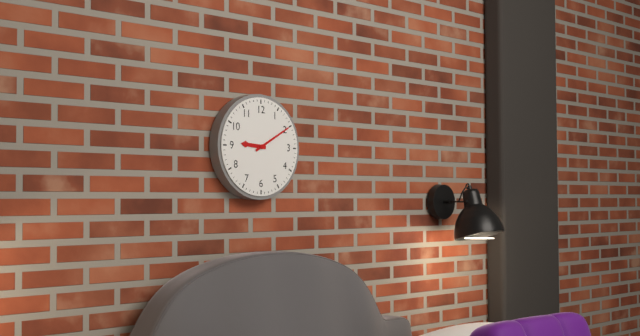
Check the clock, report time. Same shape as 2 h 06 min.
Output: 9 h 10 min
